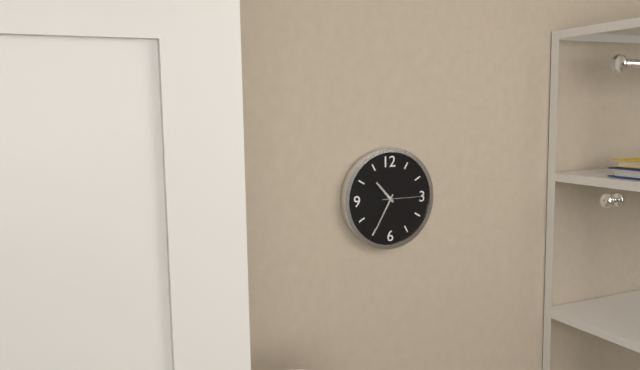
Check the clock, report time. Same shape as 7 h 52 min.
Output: 10 h 35 min
